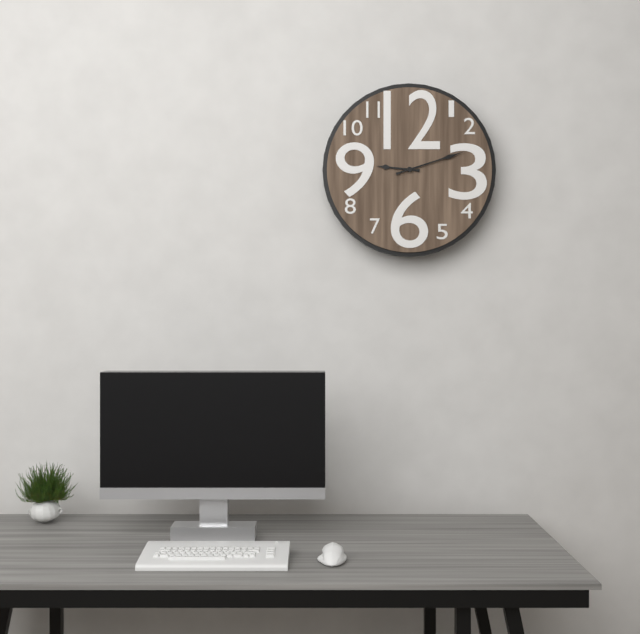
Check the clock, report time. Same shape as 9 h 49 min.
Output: 9 h 12 min
